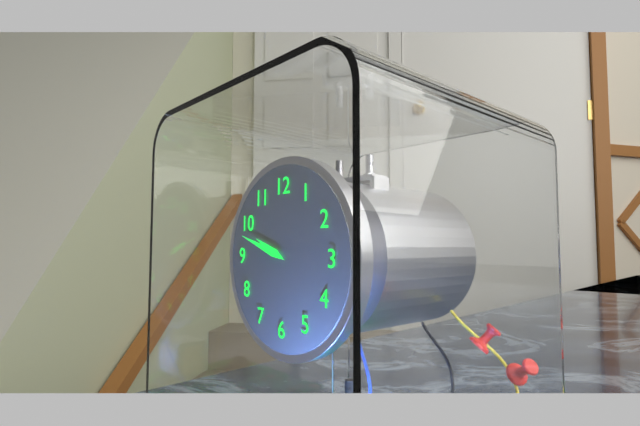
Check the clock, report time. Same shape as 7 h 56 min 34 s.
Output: 9 h 48 min 48 s
